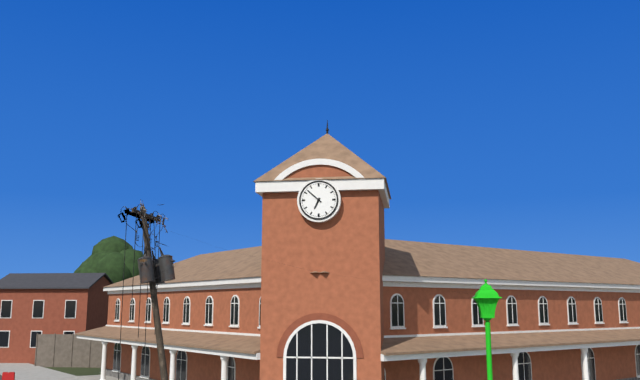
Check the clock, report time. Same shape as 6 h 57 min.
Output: 6 h 52 min
